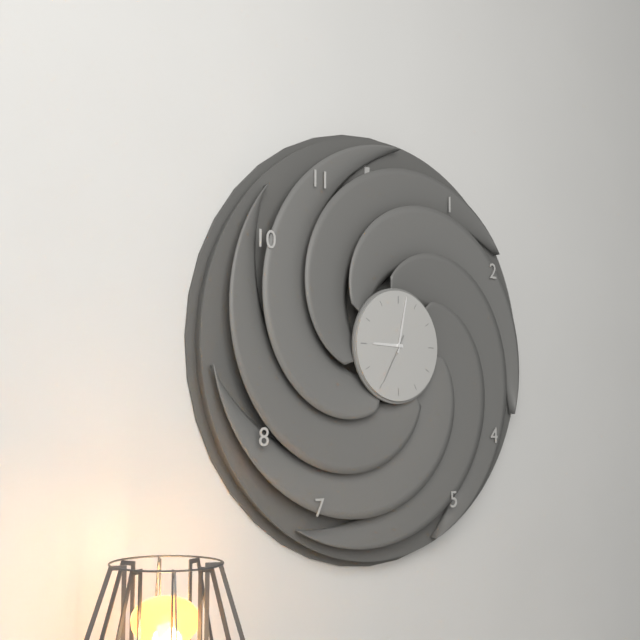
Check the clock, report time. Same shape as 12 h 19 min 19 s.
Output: 9 h 02 min 35 s
